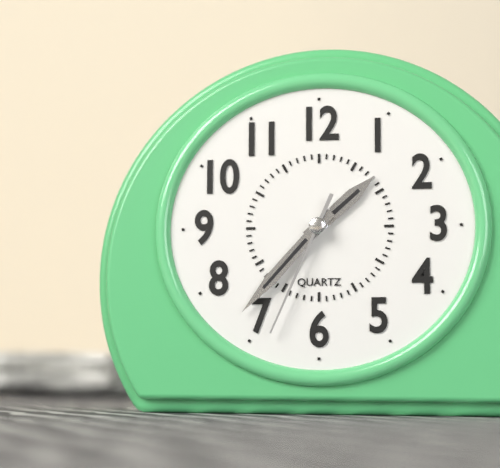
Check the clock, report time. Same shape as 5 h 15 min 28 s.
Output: 1 h 37 min 34 s
